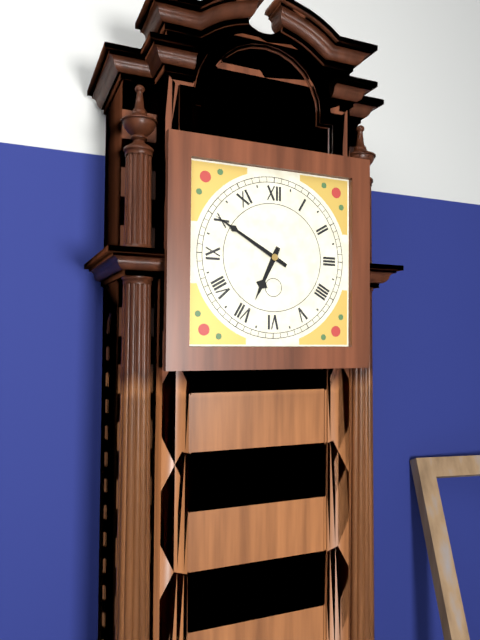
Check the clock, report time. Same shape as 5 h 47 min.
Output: 6 h 50 min
